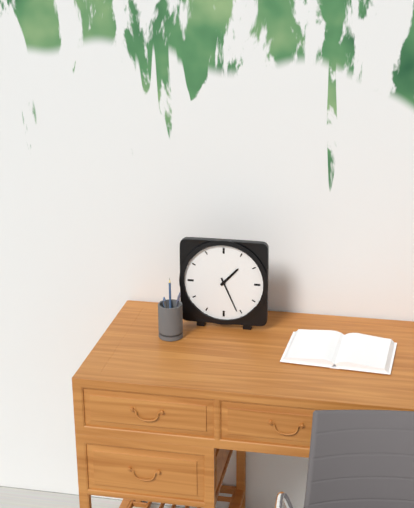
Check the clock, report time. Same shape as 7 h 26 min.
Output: 1 h 26 min
